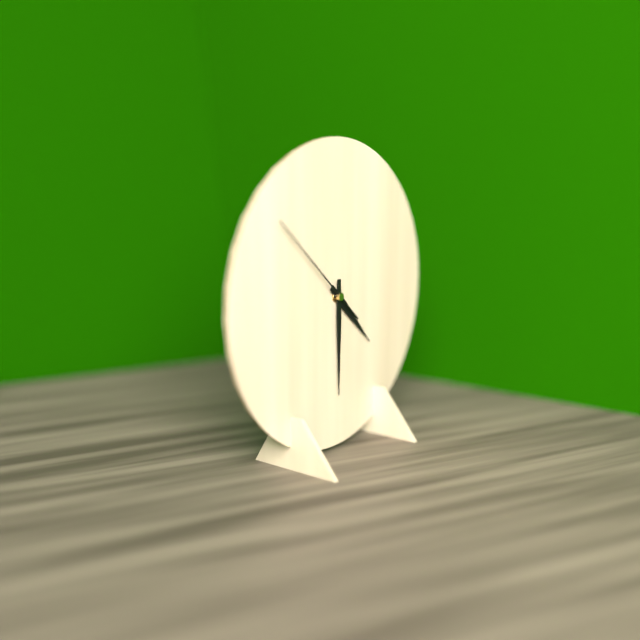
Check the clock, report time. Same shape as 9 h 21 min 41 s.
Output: 4 h 30 min 52 s
